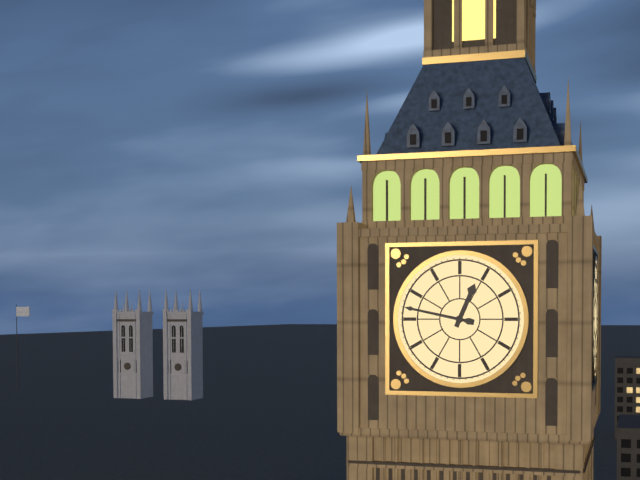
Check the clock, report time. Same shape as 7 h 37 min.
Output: 12 h 47 min
